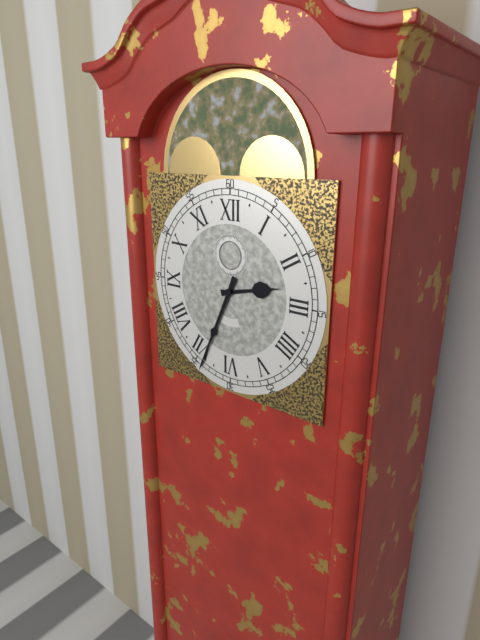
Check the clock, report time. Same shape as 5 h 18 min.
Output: 2 h 34 min
